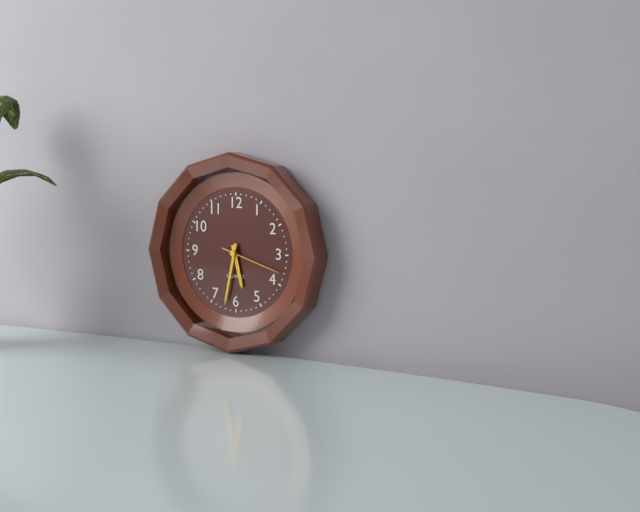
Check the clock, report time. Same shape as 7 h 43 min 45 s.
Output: 5 h 32 min 18 s
